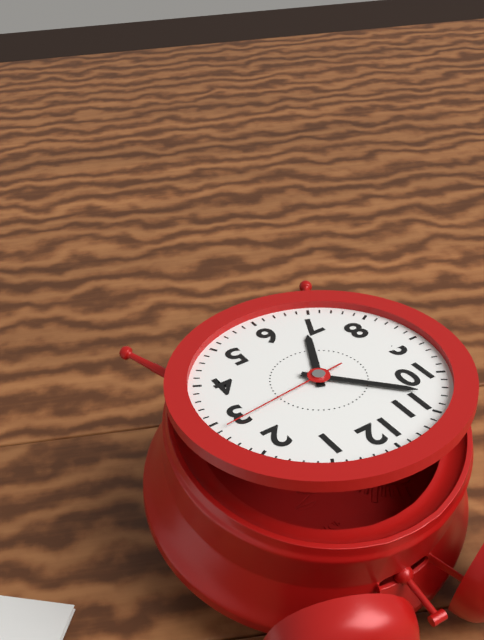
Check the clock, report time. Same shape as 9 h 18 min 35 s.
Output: 6 h 53 min 14 s
